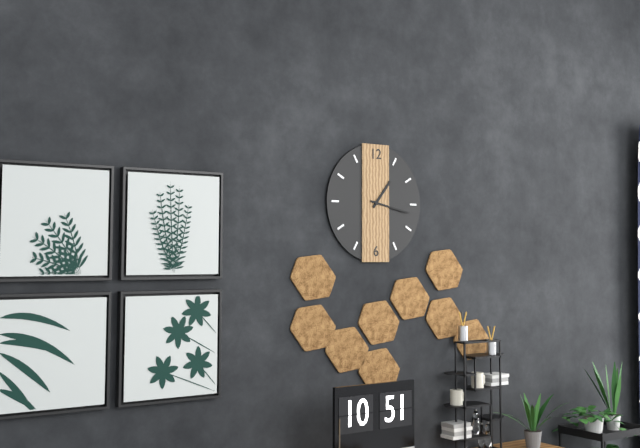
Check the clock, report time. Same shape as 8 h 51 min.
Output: 1 h 17 min
